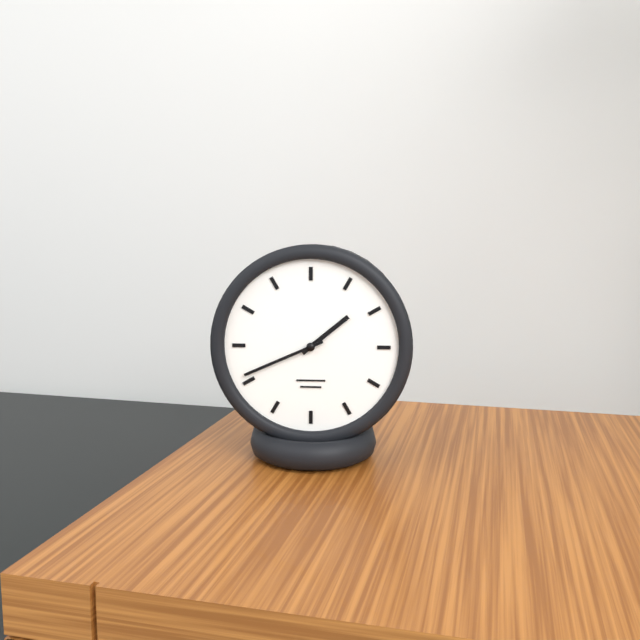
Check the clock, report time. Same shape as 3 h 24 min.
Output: 1 h 41 min
